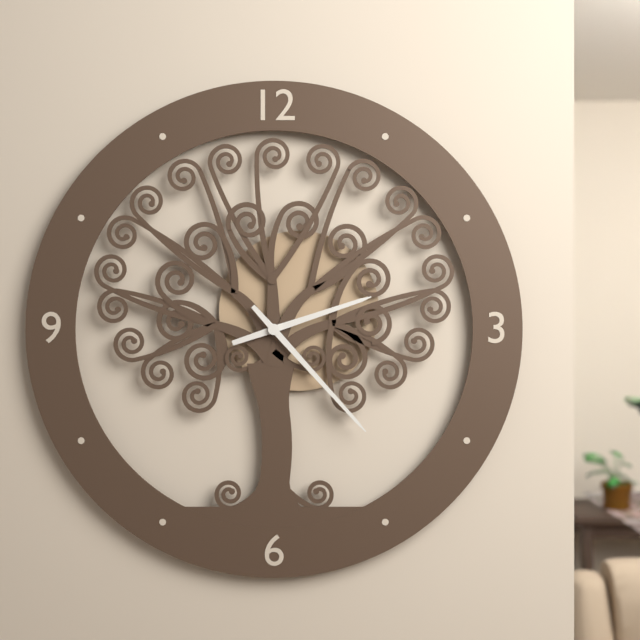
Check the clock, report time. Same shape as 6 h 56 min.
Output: 2 h 23 min
